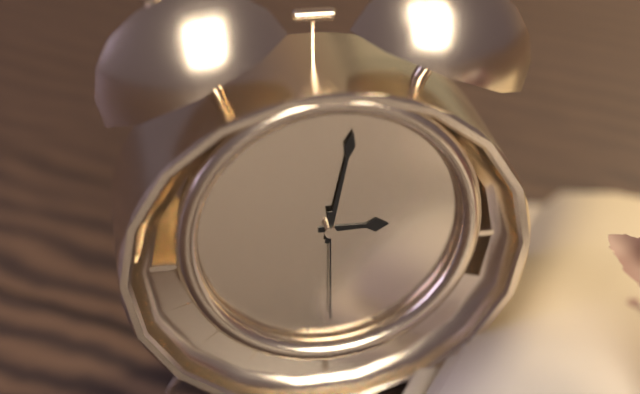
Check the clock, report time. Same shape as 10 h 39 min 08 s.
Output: 3 h 02 min 30 s
